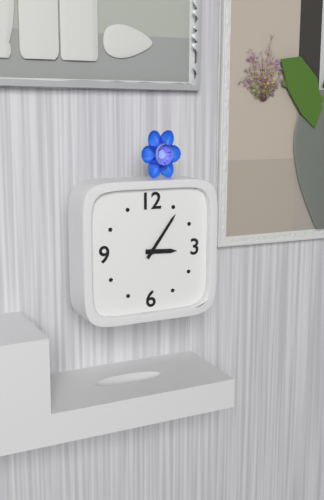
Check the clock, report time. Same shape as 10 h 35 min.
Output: 3 h 06 min
